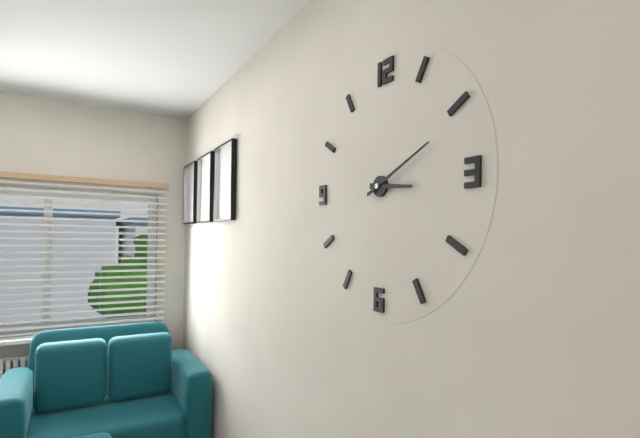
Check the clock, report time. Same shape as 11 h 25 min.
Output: 3 h 11 min
